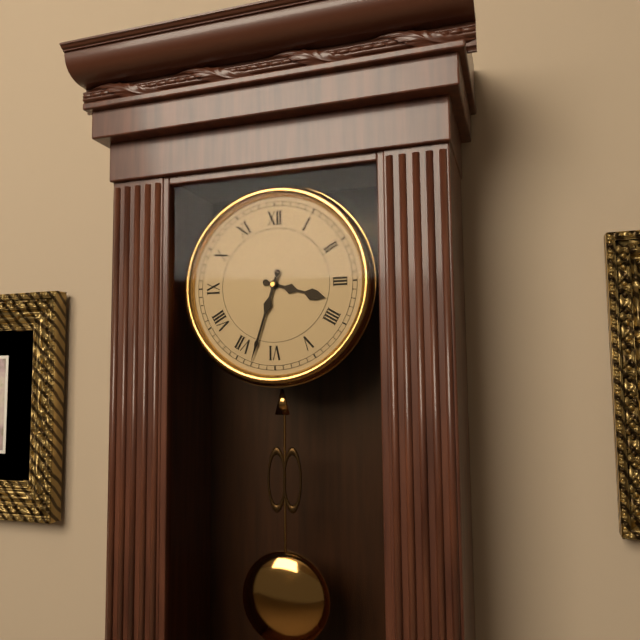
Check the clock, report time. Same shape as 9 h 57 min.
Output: 3 h 33 min
